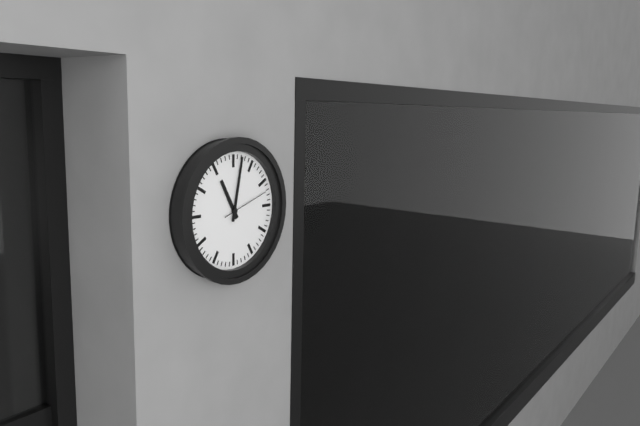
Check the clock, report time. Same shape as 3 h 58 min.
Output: 11 h 02 min
